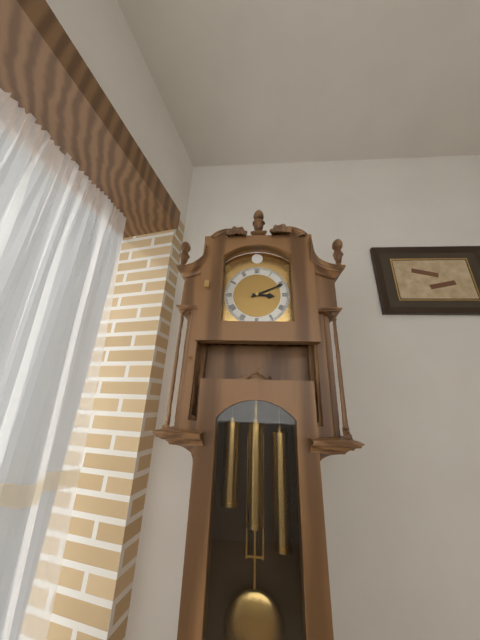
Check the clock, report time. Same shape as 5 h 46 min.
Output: 3 h 11 min
